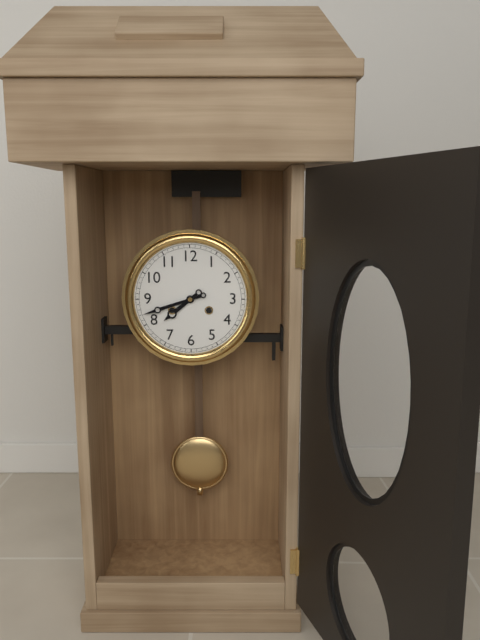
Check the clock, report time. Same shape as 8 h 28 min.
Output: 7 h 42 min
